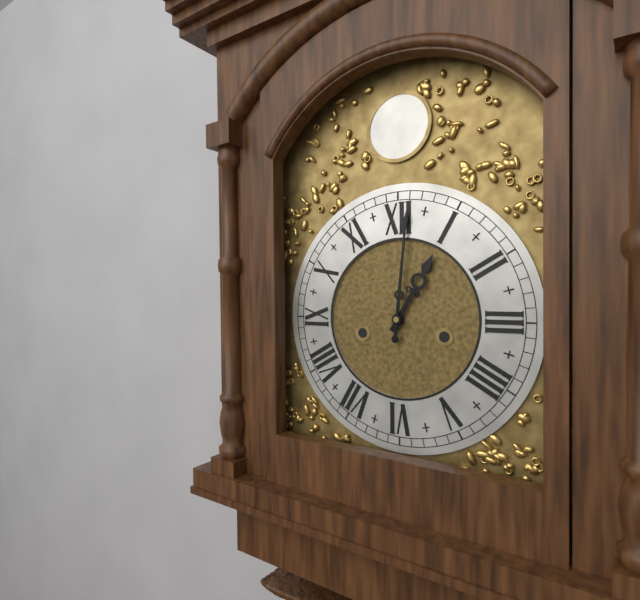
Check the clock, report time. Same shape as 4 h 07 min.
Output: 1 h 01 min
